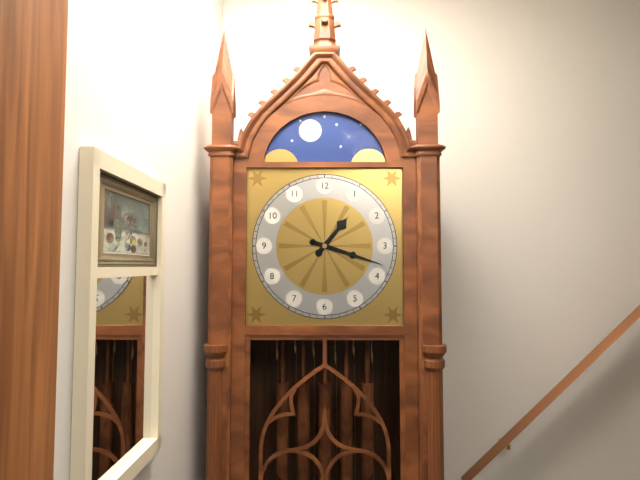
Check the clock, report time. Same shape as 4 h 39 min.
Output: 1 h 18 min
